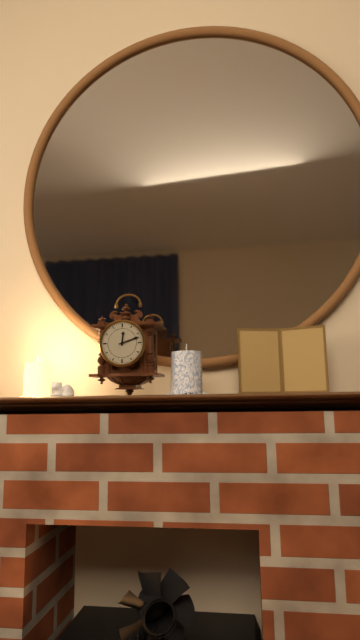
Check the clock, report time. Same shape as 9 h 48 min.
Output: 12 h 12 min
